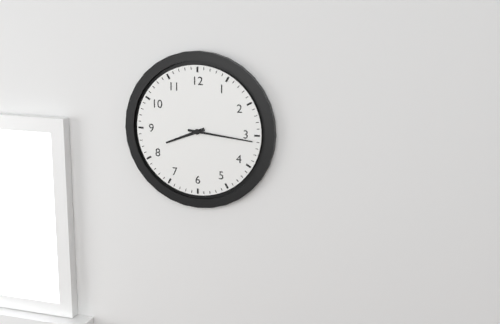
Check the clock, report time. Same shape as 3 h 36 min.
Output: 8 h 16 min
